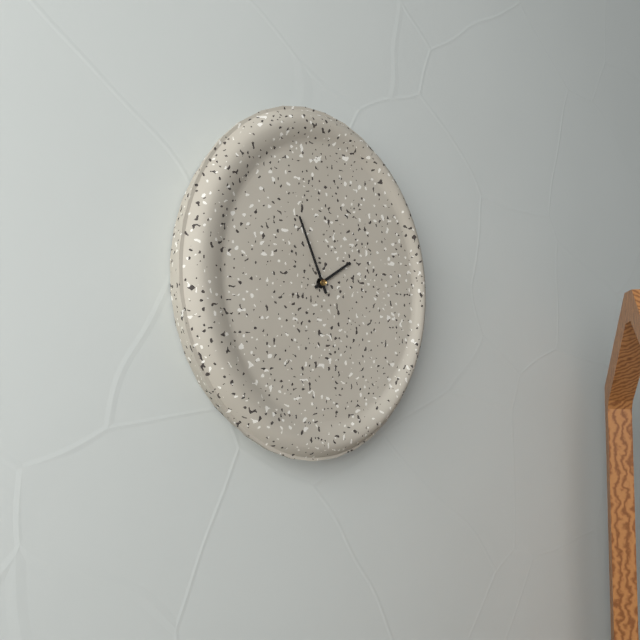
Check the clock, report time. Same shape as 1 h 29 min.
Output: 1 h 56 min
